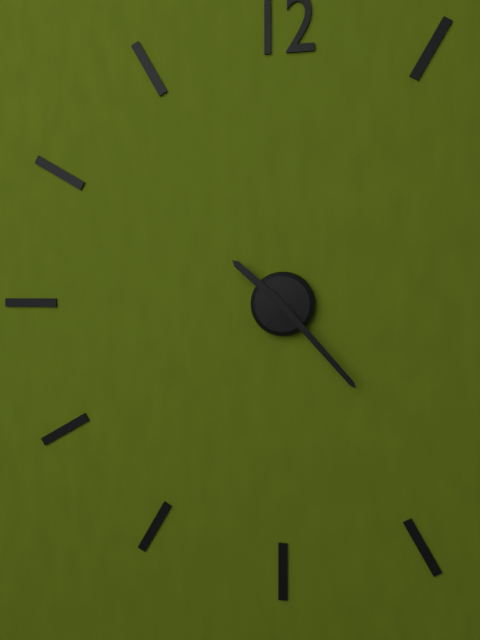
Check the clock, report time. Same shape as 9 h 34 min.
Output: 10 h 23 min
